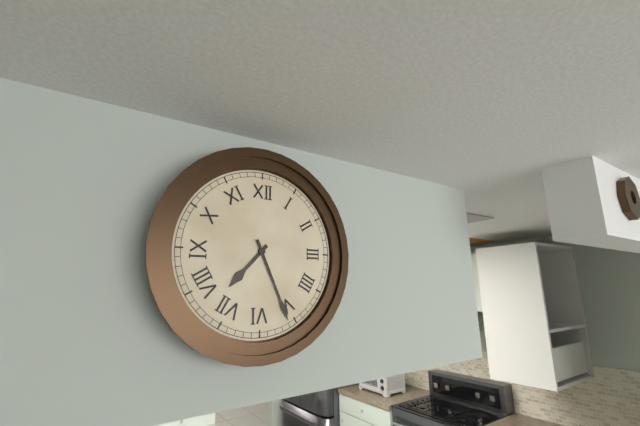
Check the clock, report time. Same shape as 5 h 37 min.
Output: 7 h 26 min
